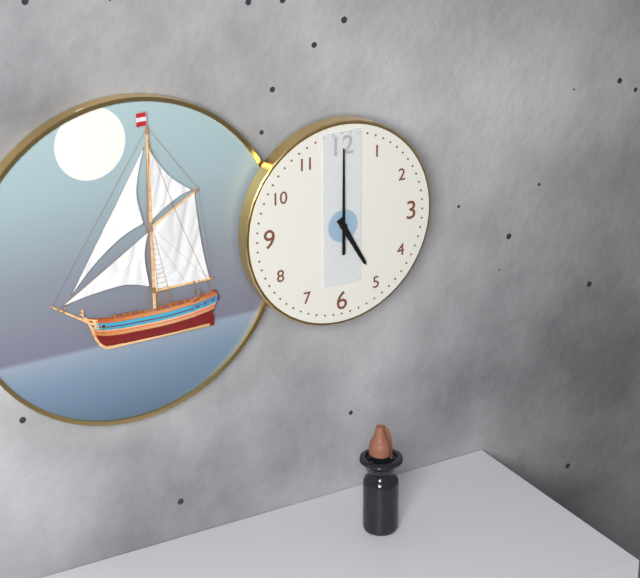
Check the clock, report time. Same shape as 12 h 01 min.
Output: 5 h 00 min
